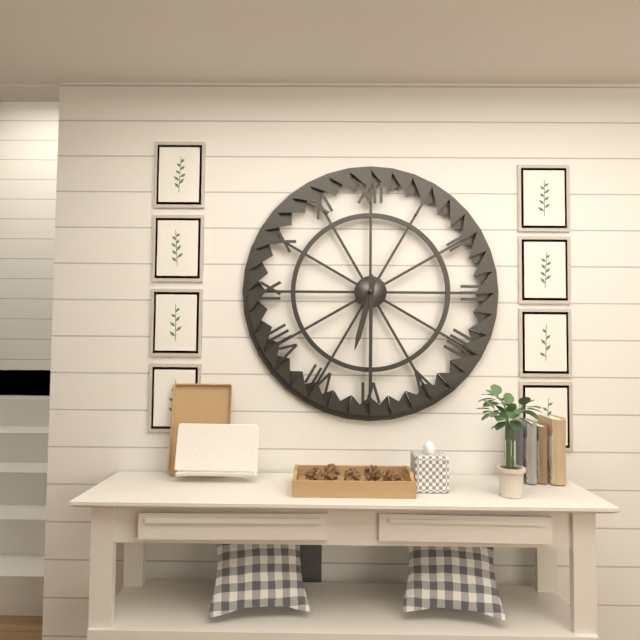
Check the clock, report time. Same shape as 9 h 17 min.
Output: 6 h 30 min
